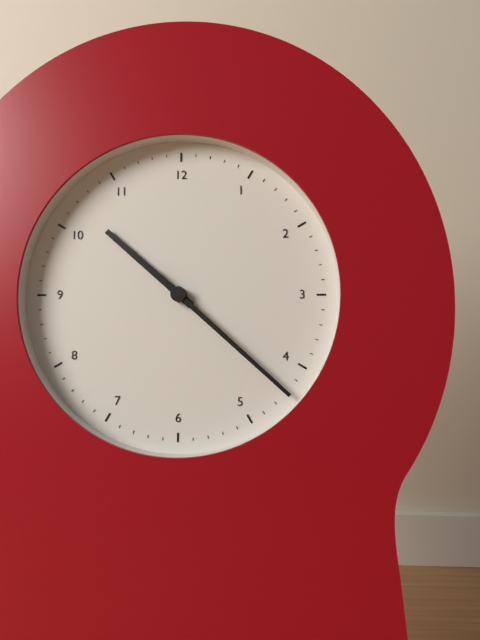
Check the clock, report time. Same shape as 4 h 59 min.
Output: 10 h 22 min
